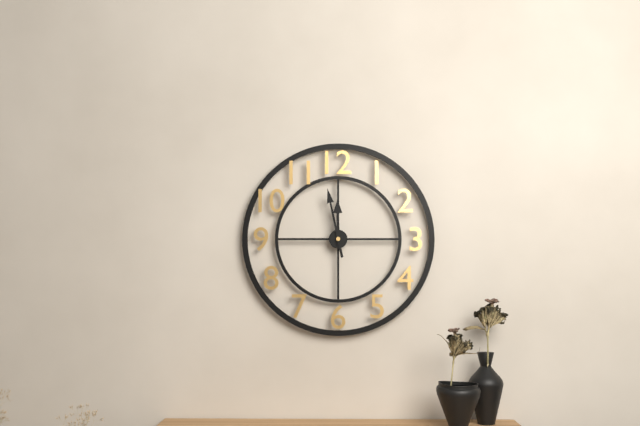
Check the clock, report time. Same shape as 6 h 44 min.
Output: 11 h 58 min
